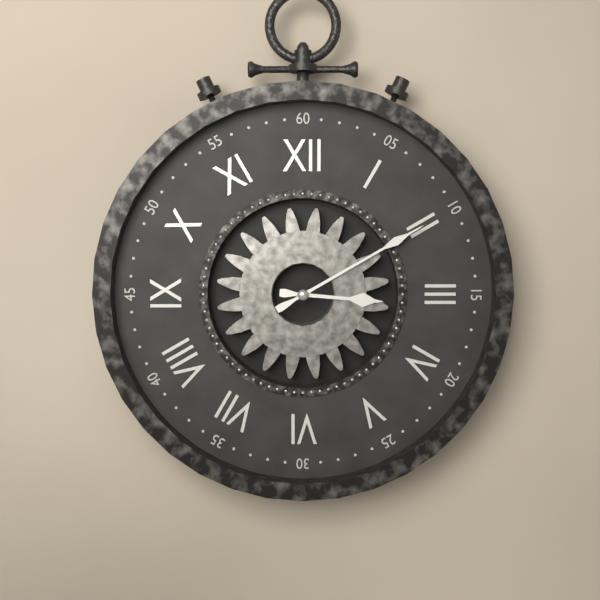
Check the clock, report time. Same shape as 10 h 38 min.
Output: 3 h 10 min
